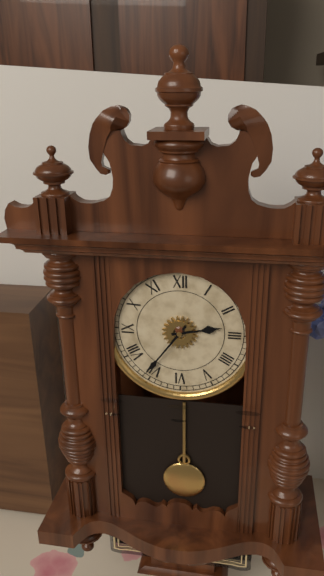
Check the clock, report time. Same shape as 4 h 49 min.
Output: 2 h 36 min
